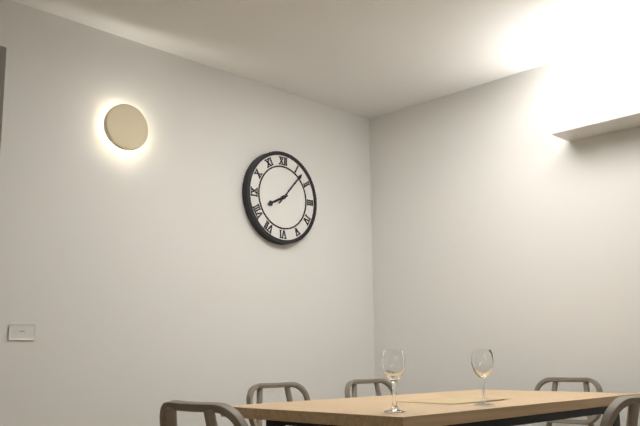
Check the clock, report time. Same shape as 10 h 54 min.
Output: 8 h 07 min
